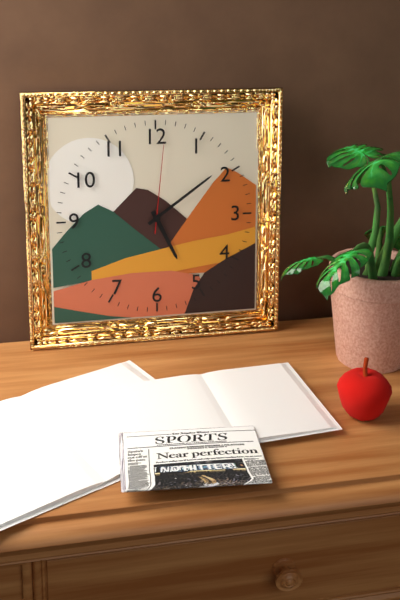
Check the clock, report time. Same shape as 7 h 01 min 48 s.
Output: 5 h 09 min 01 s
